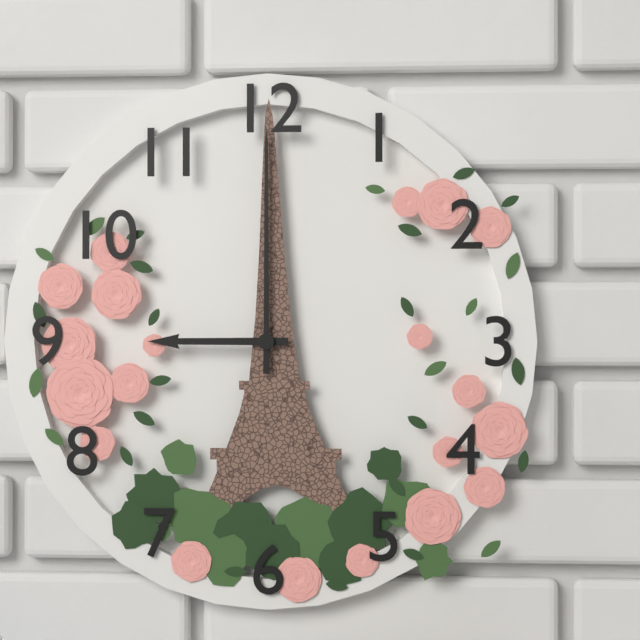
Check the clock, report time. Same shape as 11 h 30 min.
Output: 9 h 00 min
